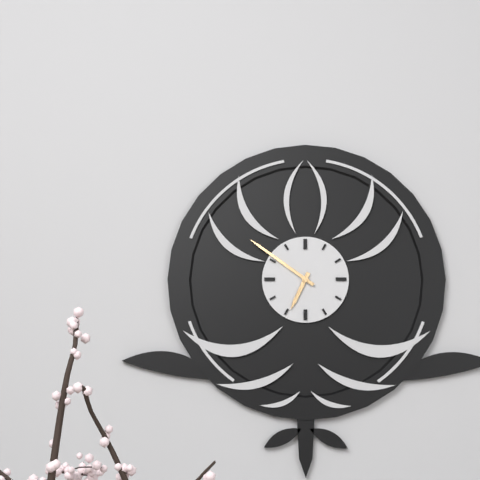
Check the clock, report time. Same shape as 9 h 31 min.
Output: 6 h 51 min
